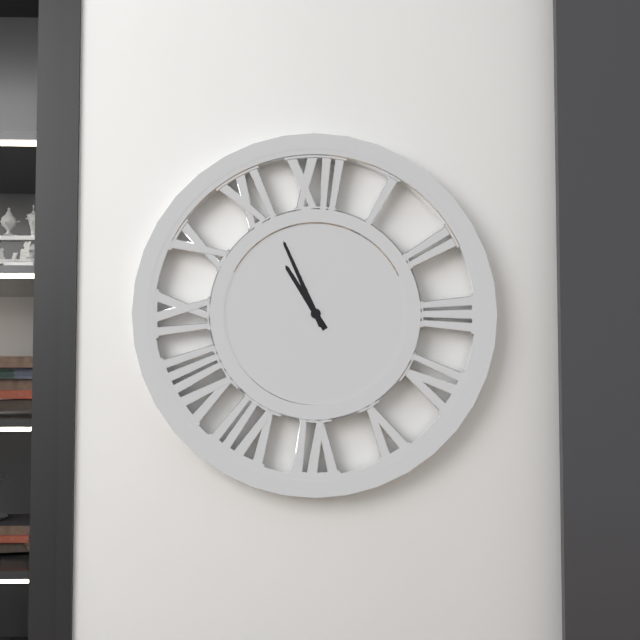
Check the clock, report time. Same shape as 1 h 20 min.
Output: 10 h 56 min
